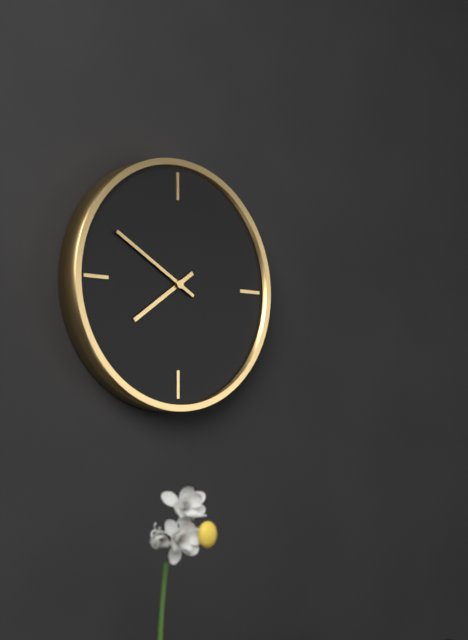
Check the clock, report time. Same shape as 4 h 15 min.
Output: 7 h 50 min
